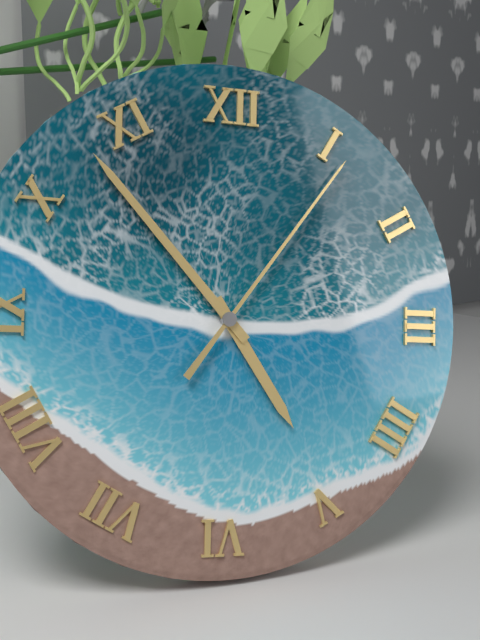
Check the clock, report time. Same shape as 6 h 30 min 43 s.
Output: 4 h 53 min 06 s
